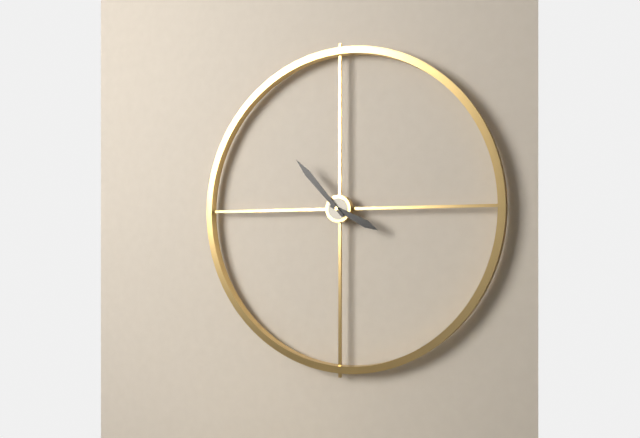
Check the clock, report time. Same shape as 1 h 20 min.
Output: 3 h 53 min
